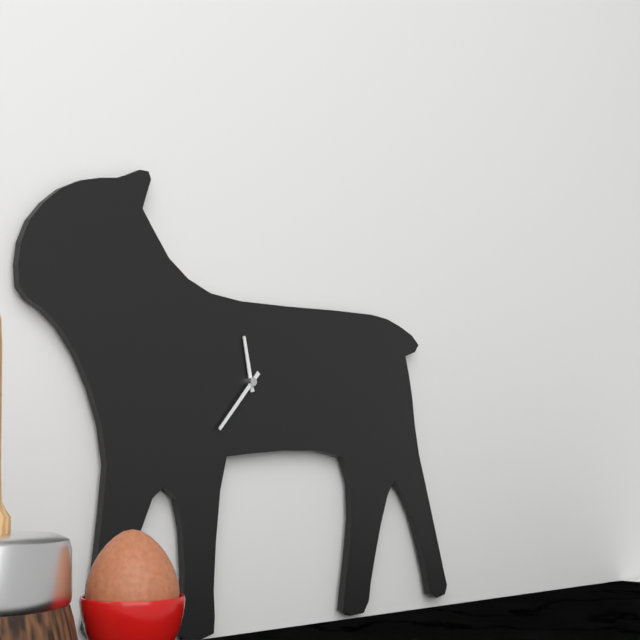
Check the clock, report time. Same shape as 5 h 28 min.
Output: 11 h 37 min
